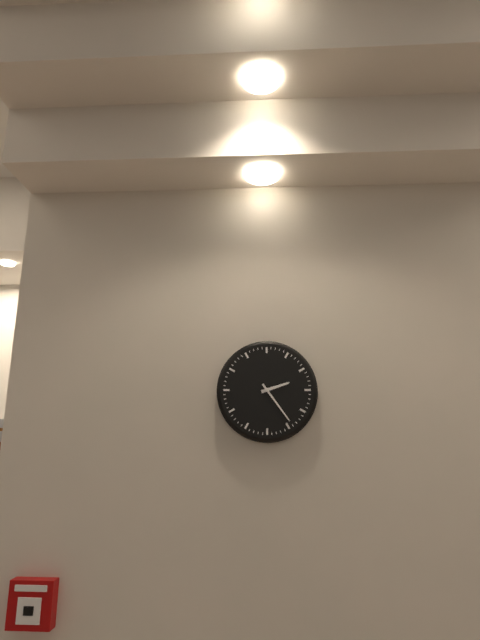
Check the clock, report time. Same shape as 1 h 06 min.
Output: 2 h 24 min
